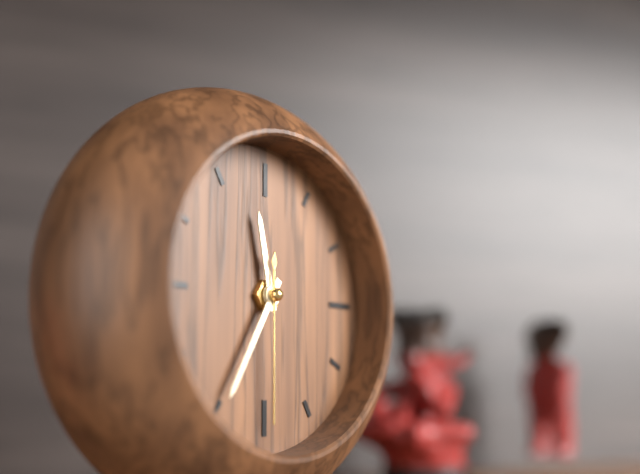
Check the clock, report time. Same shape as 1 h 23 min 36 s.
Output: 11 h 35 min 30 s
